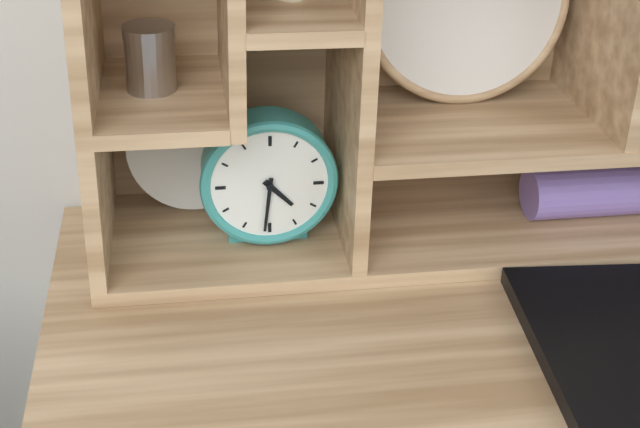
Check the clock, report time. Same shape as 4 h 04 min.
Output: 4 h 31 min
